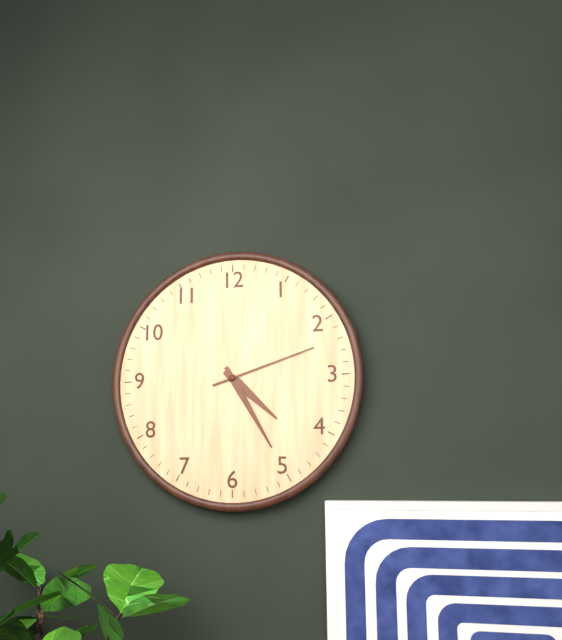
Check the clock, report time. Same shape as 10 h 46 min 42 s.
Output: 4 h 25 min 12 s
